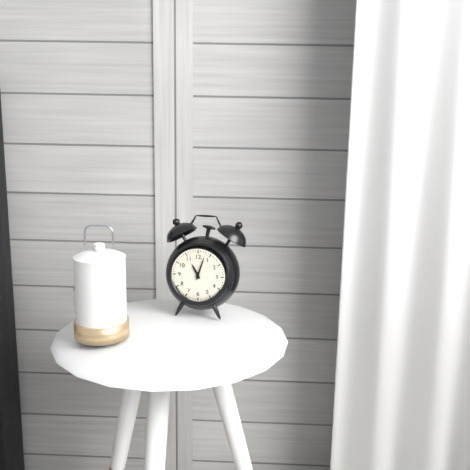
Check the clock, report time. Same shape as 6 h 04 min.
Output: 11 h 03 min
